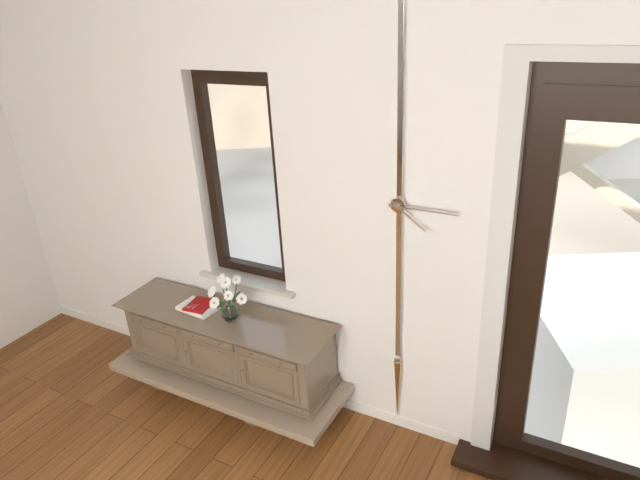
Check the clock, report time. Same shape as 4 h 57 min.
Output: 4 h 15 min
